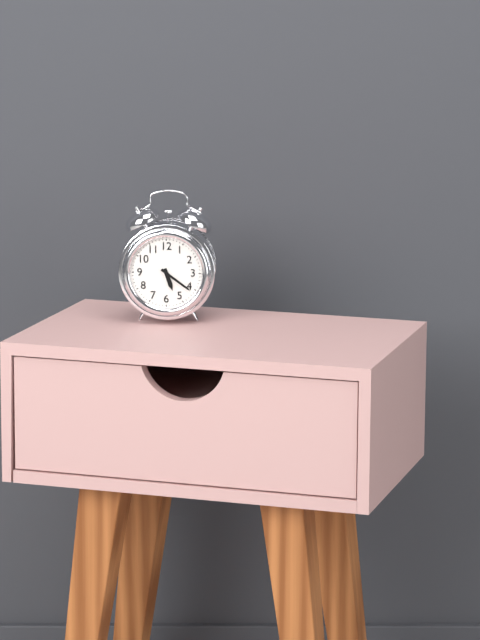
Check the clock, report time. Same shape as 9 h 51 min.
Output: 5 h 21 min
